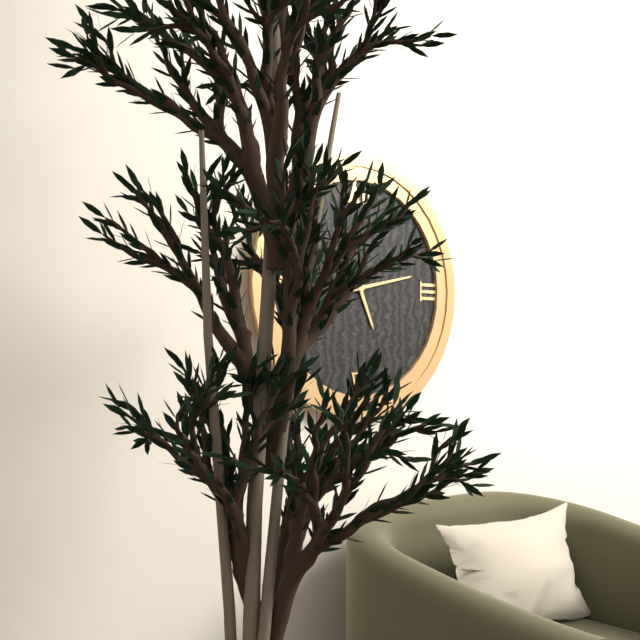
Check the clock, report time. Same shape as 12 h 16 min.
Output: 5 h 13 min
